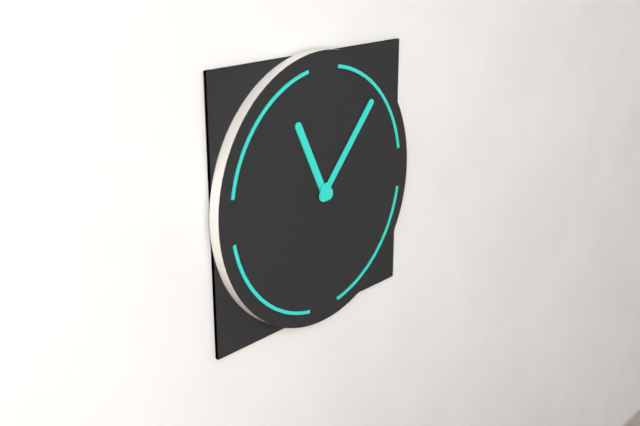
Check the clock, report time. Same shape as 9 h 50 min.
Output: 11 h 07 min
